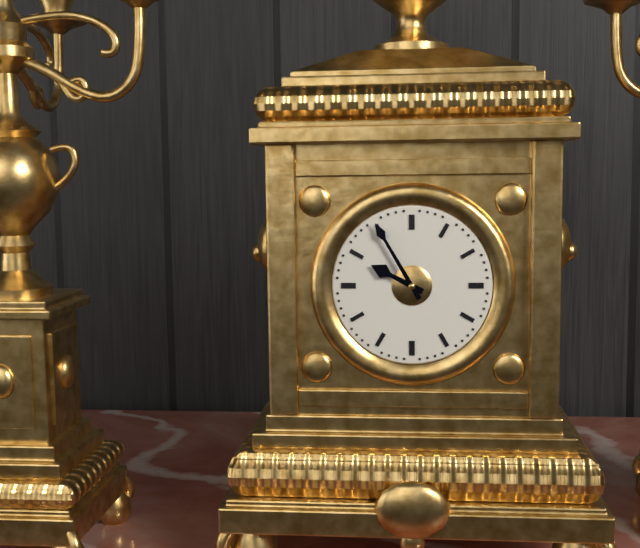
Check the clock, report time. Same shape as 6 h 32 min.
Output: 9 h 55 min
